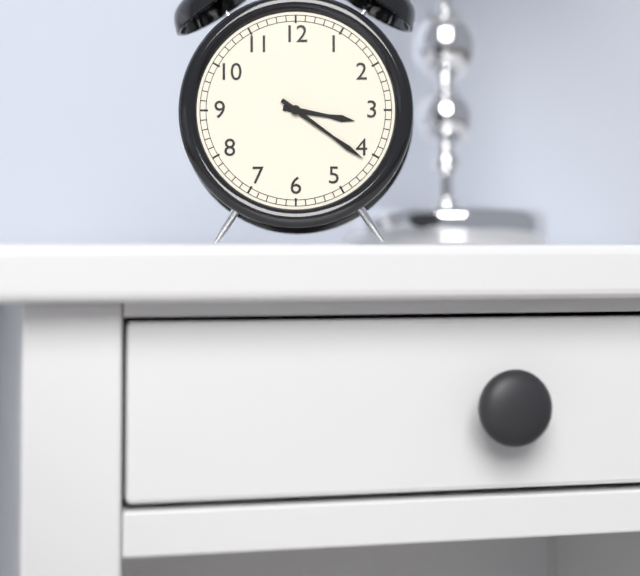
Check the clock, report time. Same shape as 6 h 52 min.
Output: 3 h 21 min
